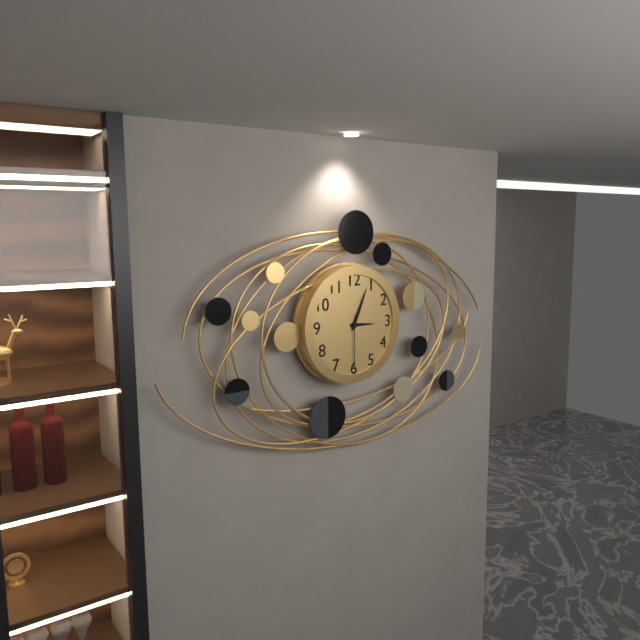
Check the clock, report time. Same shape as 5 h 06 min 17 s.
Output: 3 h 04 min 30 s
